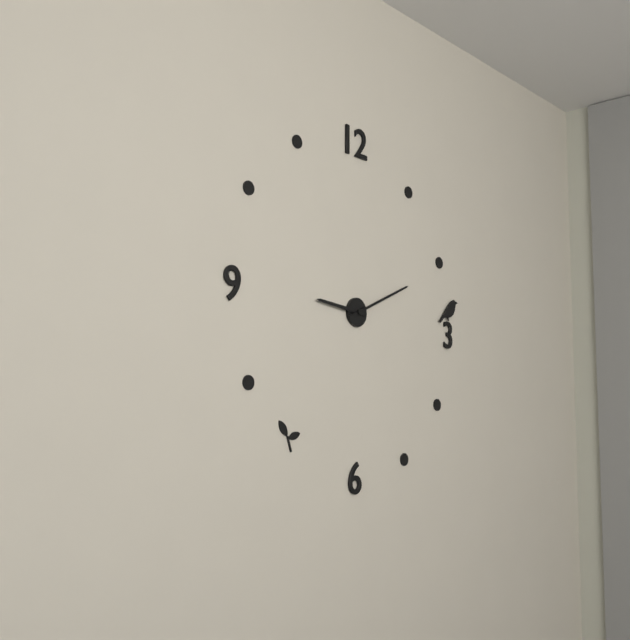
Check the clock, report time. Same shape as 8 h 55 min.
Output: 9 h 11 min
